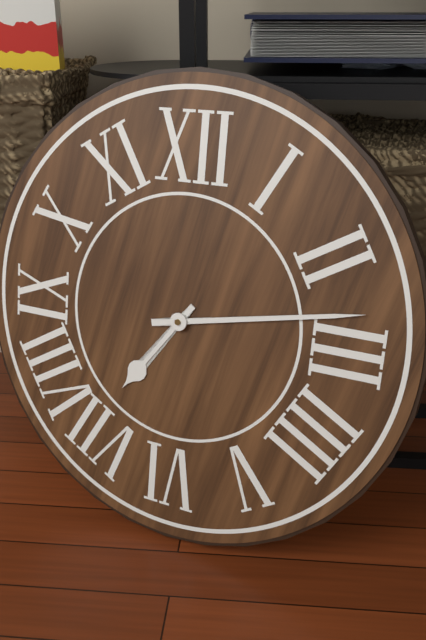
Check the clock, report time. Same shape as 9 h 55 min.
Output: 7 h 13 min
